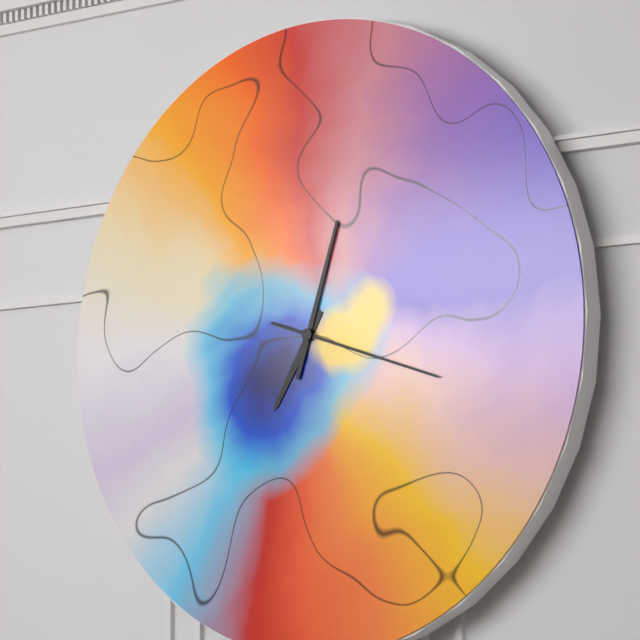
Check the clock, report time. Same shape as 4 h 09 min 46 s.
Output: 7 h 03 min 18 s
